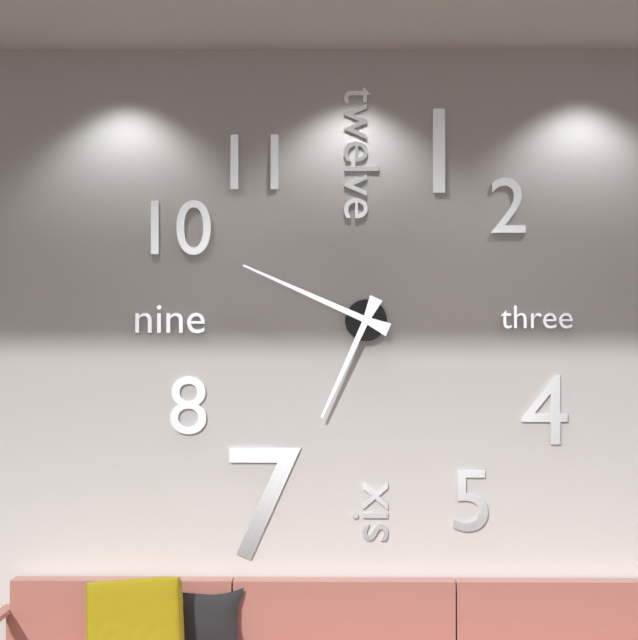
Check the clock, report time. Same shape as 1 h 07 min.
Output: 6 h 49 min
